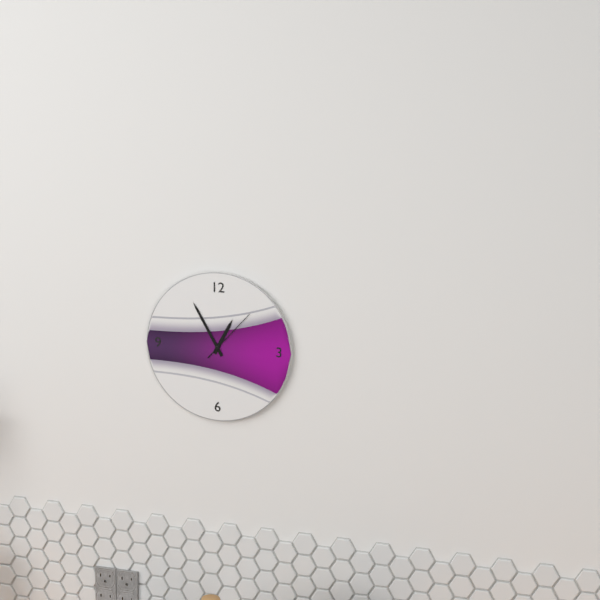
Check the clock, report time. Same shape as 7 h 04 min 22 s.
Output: 12 h 55 min 07 s
